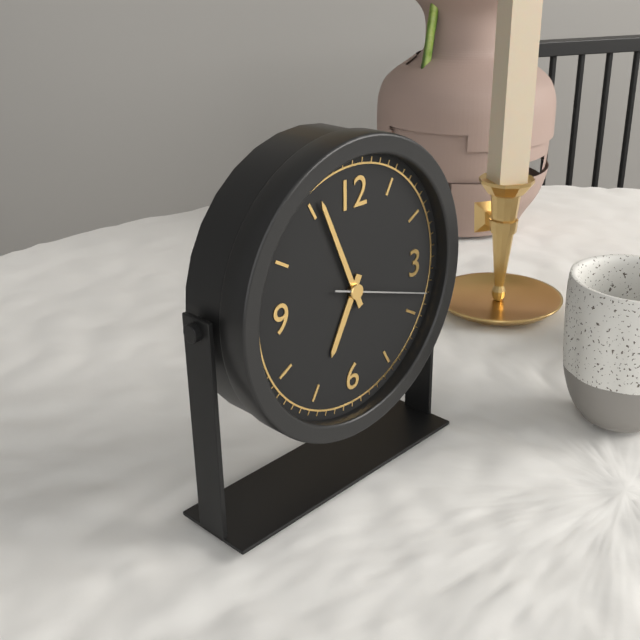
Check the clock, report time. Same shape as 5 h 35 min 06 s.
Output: 6 h 56 min 18 s
